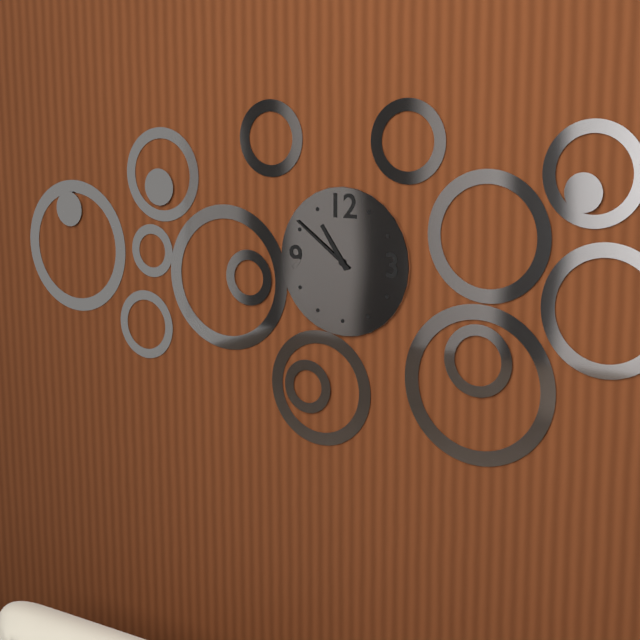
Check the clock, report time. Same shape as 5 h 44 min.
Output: 10 h 51 min
